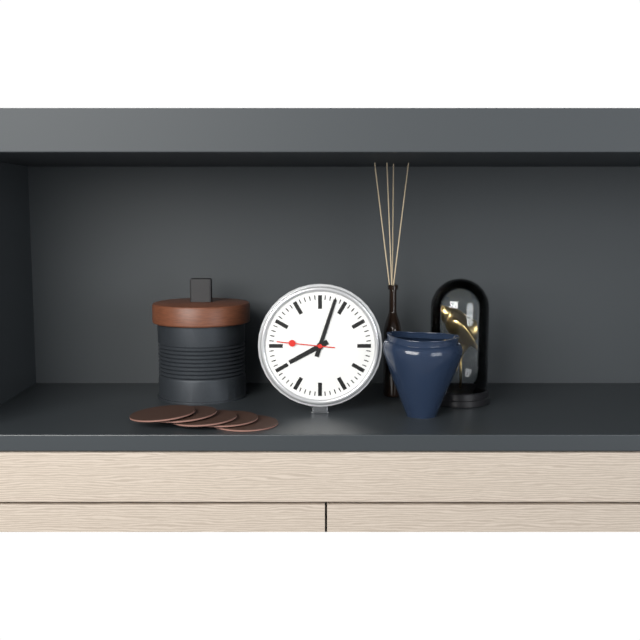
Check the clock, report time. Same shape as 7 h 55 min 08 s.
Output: 8 h 03 min 46 s
